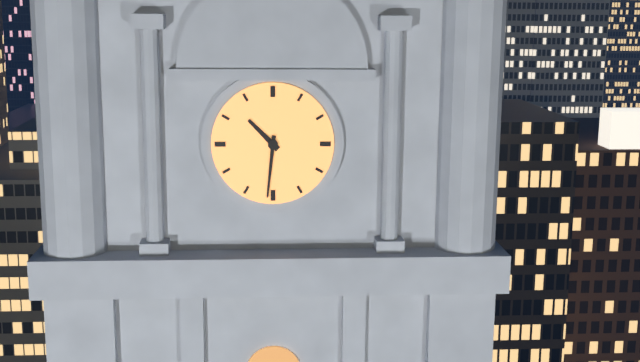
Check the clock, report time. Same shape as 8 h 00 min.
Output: 10 h 31 min
